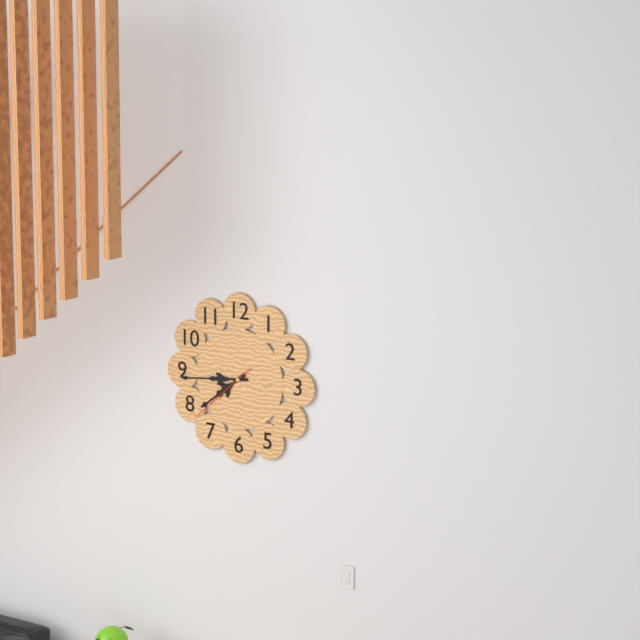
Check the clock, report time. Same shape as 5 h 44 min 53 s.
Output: 7 h 44 min 38 s
